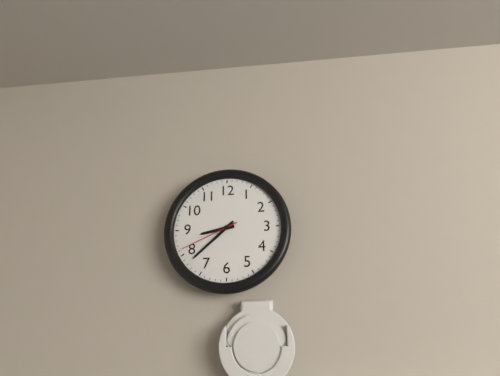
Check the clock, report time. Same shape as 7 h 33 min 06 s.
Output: 8 h 38 min 41 s
